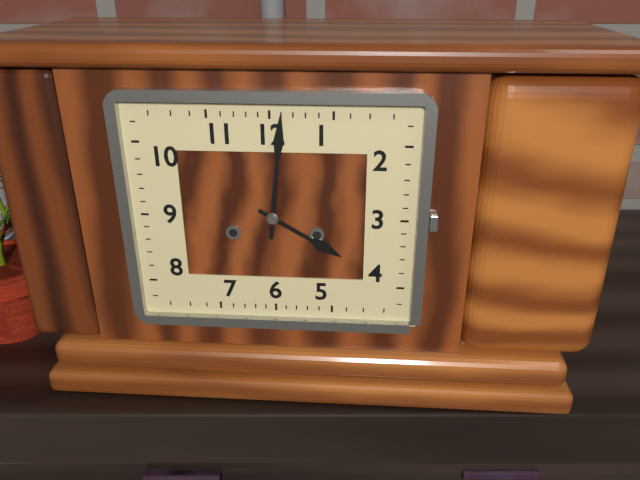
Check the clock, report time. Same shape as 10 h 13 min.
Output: 4 h 01 min
